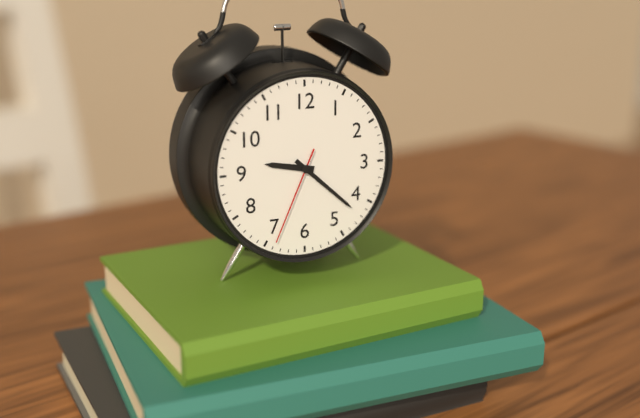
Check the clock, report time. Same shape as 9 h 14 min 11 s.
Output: 9 h 22 min 34 s
